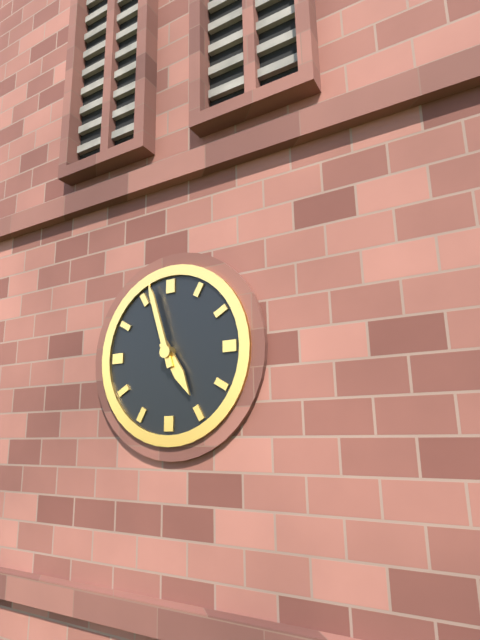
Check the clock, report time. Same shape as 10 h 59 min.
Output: 4 h 57 min
